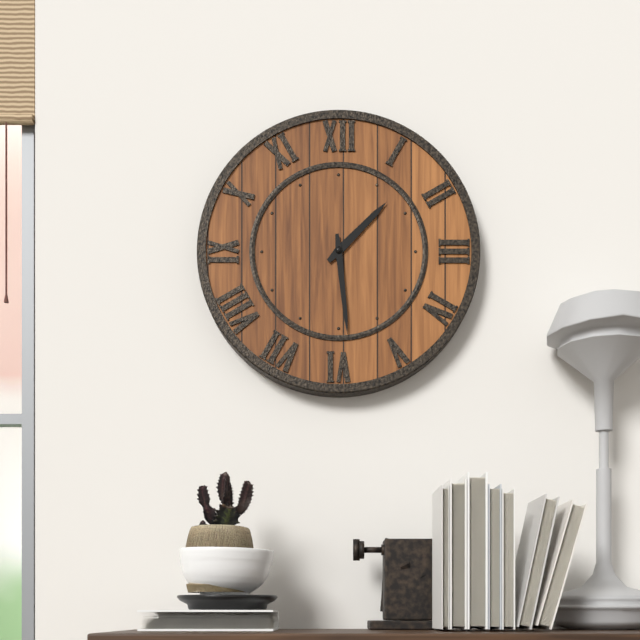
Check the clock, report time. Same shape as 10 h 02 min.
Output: 1 h 29 min
